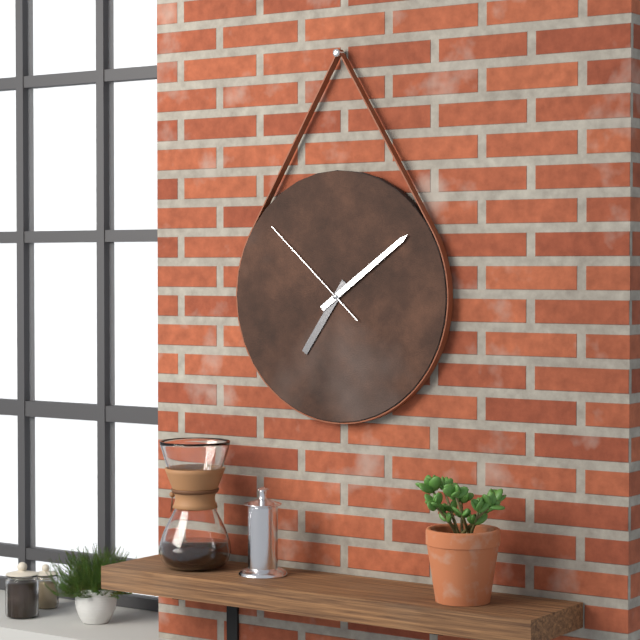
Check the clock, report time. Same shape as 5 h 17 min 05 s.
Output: 7 h 09 min 52 s
